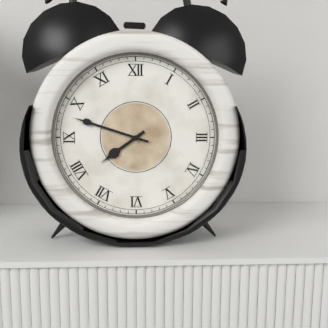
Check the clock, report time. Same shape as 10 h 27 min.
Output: 7 h 48 min
